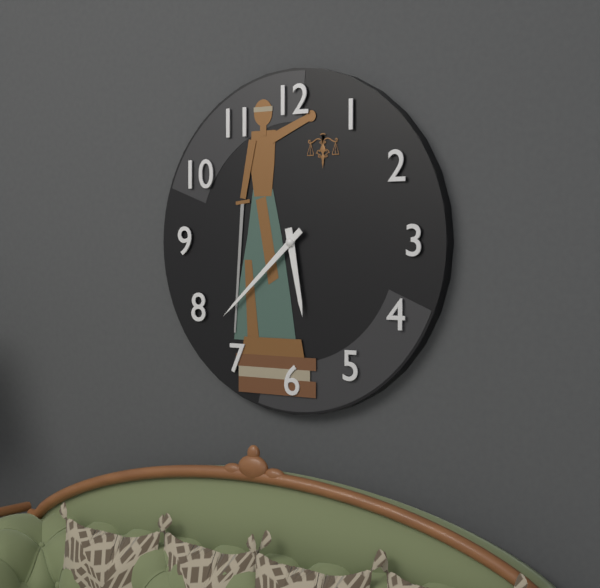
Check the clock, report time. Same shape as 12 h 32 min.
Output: 5 h 38 min
